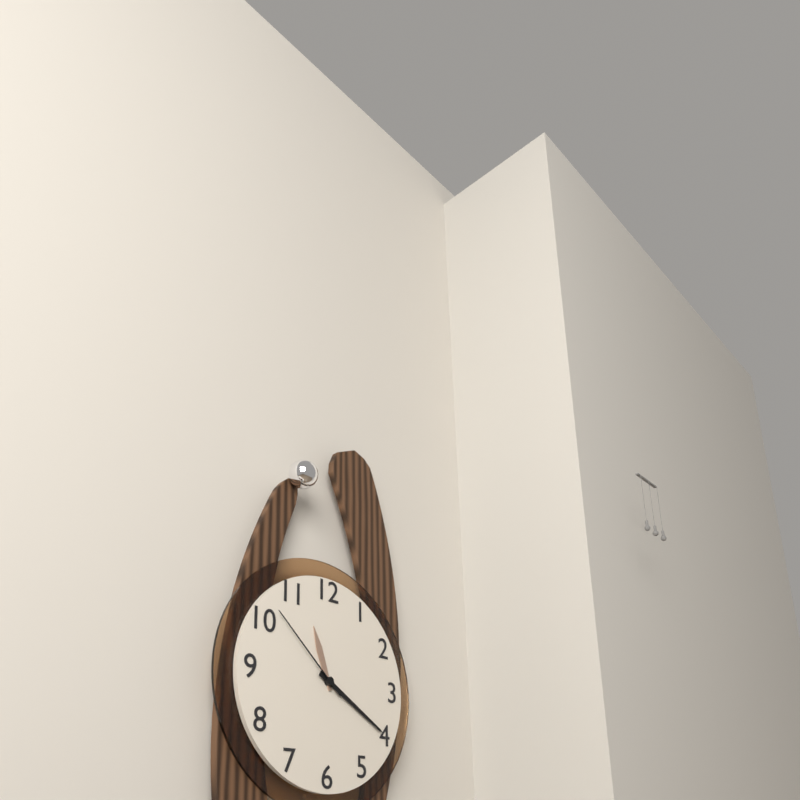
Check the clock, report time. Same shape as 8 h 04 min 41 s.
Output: 11 h 20 min 52 s
